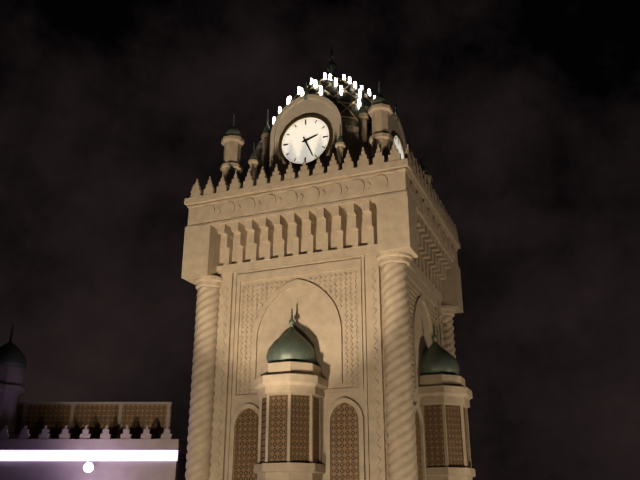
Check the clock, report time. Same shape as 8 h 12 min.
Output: 2 h 26 min
